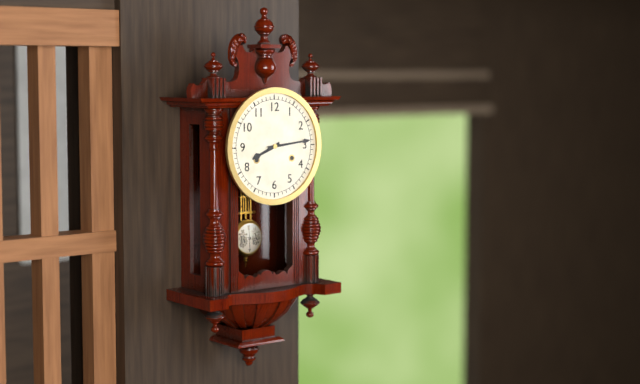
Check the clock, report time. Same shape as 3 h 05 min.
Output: 8 h 14 min
